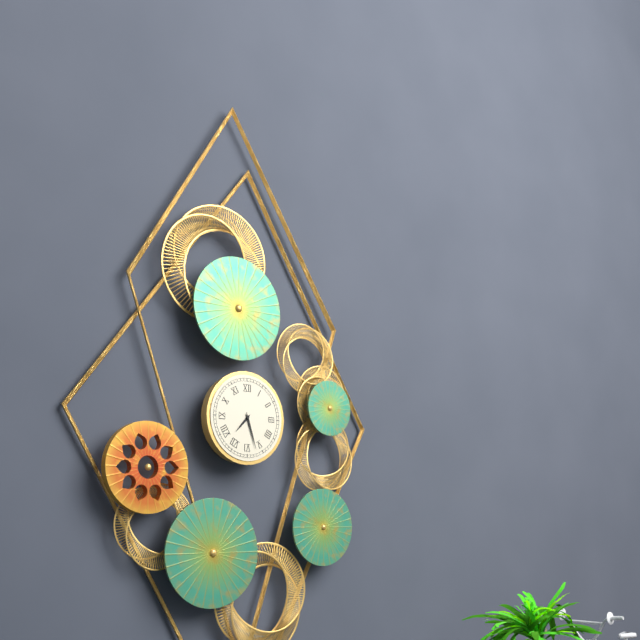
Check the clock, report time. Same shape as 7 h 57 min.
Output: 7 h 27 min
